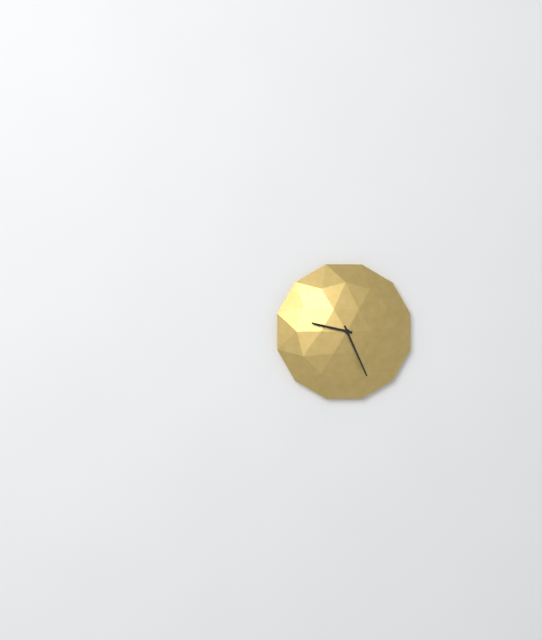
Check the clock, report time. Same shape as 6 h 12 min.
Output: 9 h 26 min
